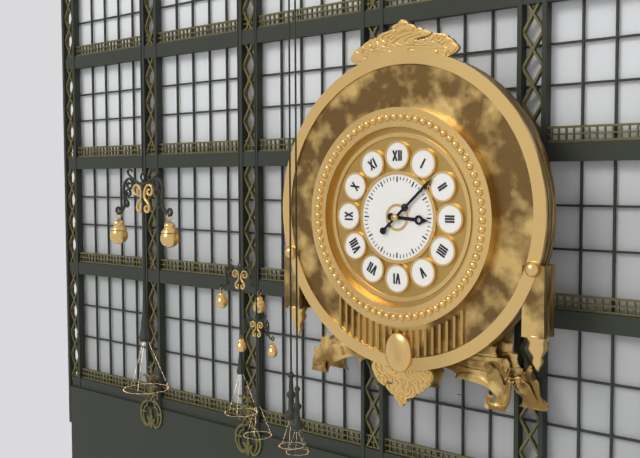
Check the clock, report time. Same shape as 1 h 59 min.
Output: 3 h 08 min
